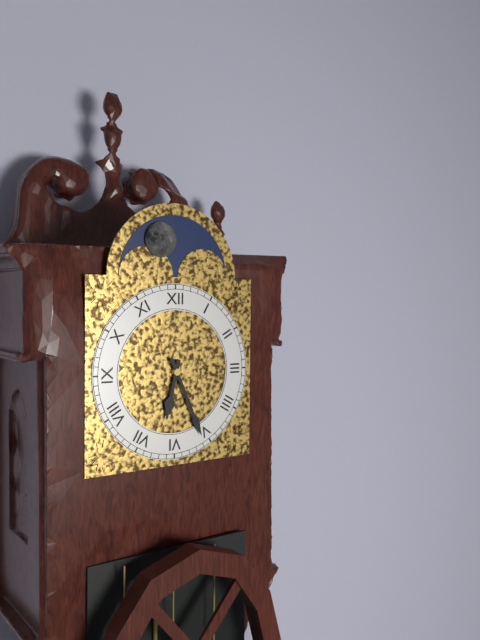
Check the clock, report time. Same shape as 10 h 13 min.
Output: 6 h 26 min
